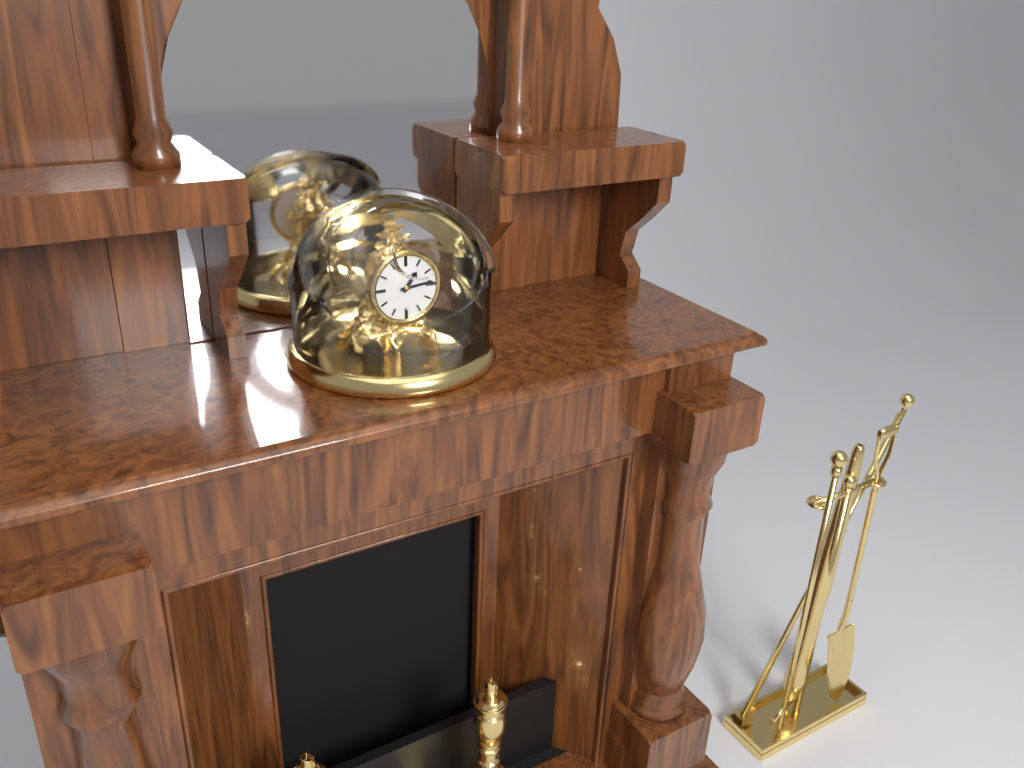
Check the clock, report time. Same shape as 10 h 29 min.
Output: 1 h 14 min
